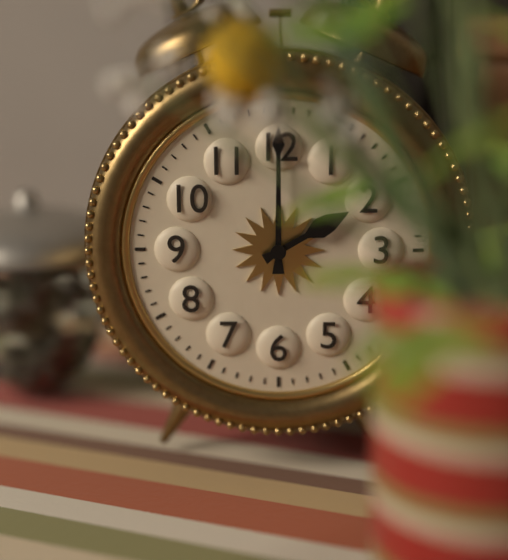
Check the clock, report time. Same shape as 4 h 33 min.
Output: 2 h 00 min
